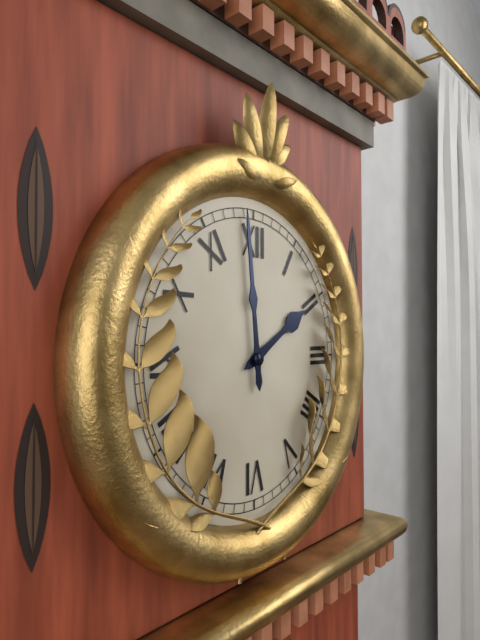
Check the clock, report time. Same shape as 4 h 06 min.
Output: 1 h 59 min
